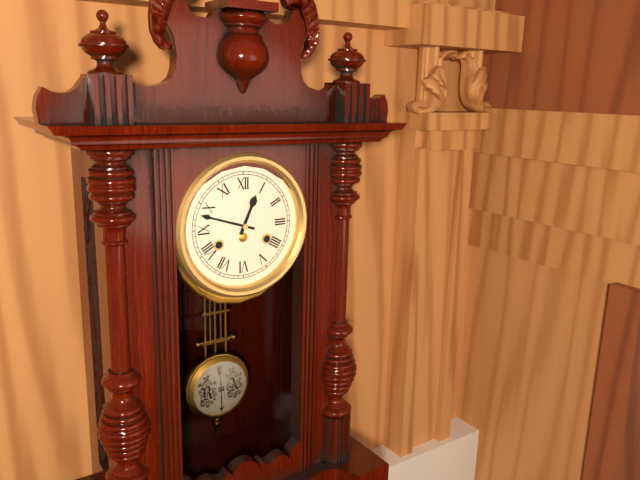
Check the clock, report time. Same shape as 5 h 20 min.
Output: 12 h 48 min
